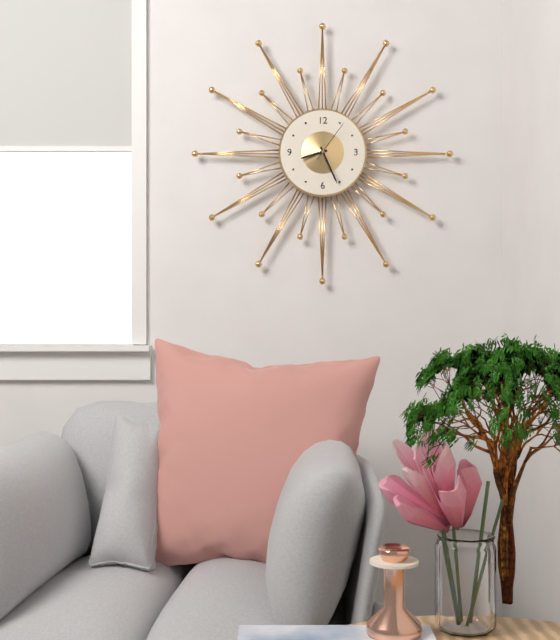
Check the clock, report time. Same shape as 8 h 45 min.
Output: 8 h 26 min
